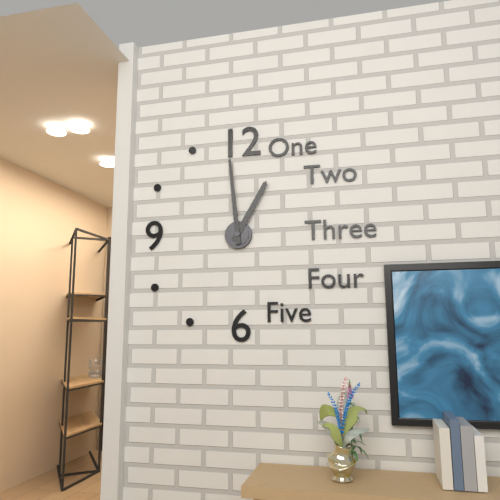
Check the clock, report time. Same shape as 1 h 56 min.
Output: 12 h 59 min
